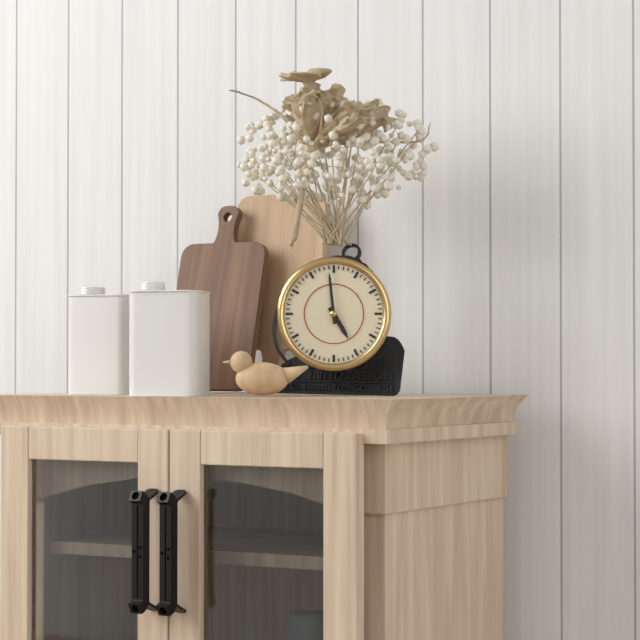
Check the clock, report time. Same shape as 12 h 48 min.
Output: 4 h 59 min
